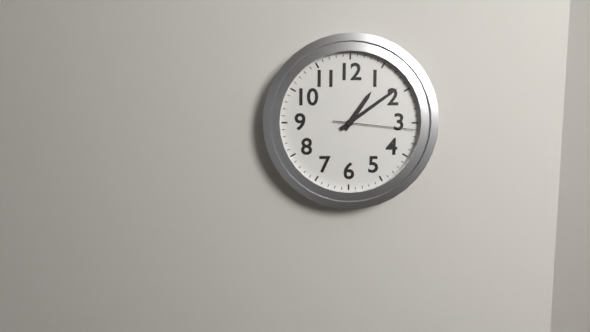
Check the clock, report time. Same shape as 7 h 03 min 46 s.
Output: 1 h 09 min 16 s
